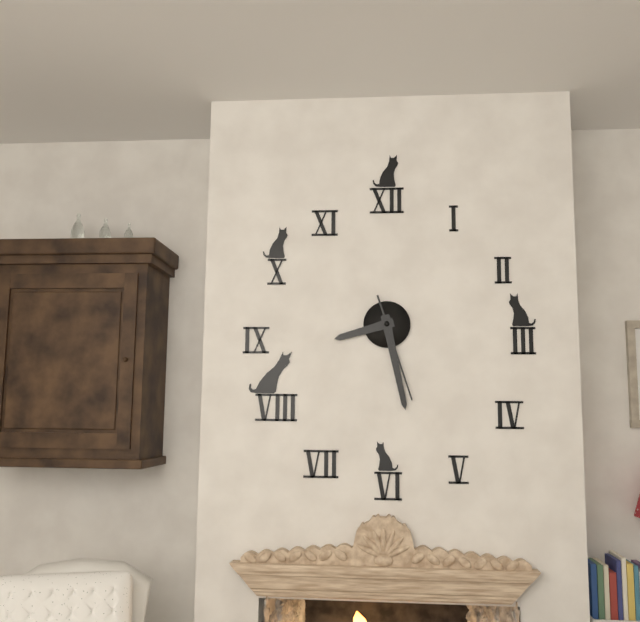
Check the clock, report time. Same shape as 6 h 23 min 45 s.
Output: 8 h 28 min 27 s
